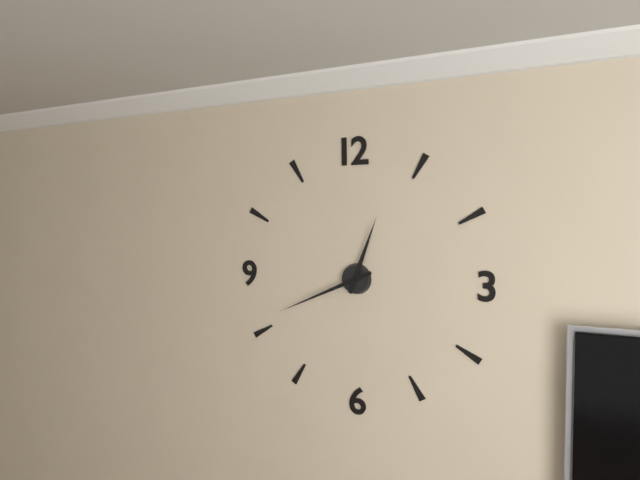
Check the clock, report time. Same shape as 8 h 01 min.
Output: 12 h 41 min
